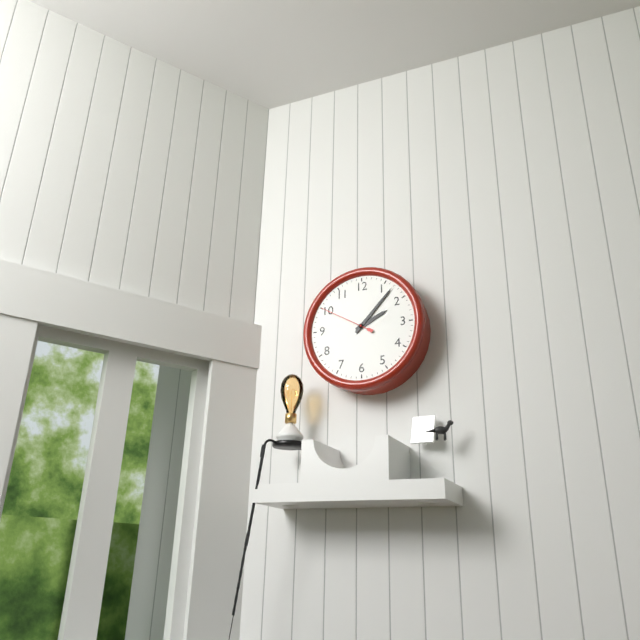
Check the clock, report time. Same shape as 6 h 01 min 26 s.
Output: 2 h 07 min 50 s
